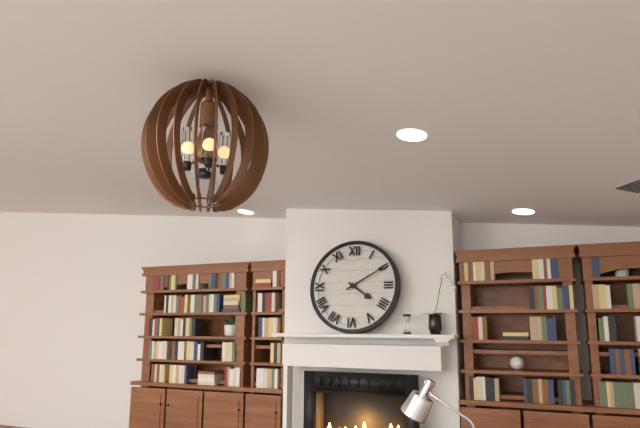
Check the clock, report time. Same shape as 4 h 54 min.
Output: 4 h 10 min
